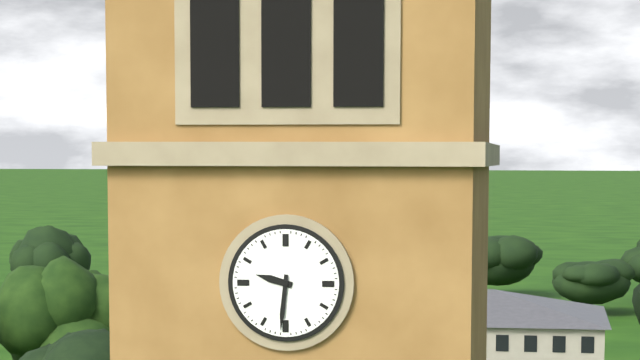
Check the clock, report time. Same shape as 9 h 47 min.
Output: 9 h 31 min
